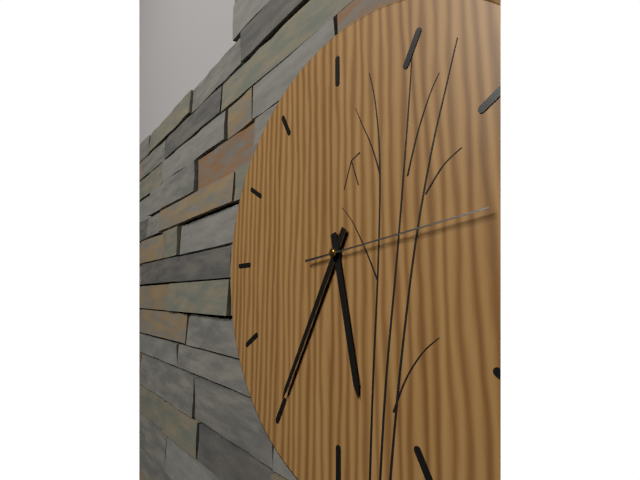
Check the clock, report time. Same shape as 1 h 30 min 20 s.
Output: 5 h 35 min 14 s
